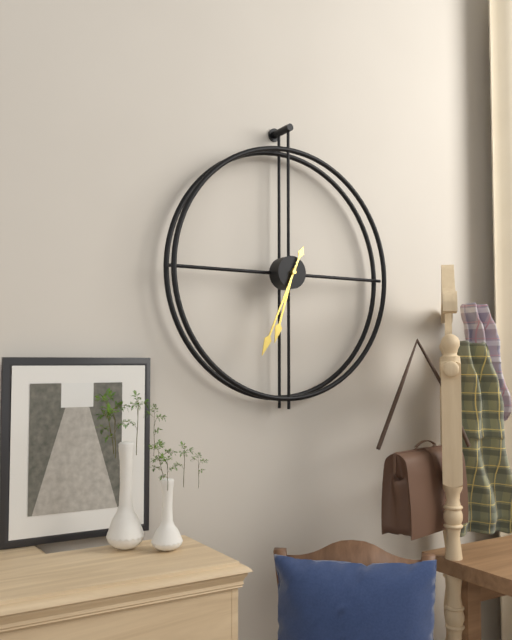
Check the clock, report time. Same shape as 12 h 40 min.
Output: 6 h 34 min
